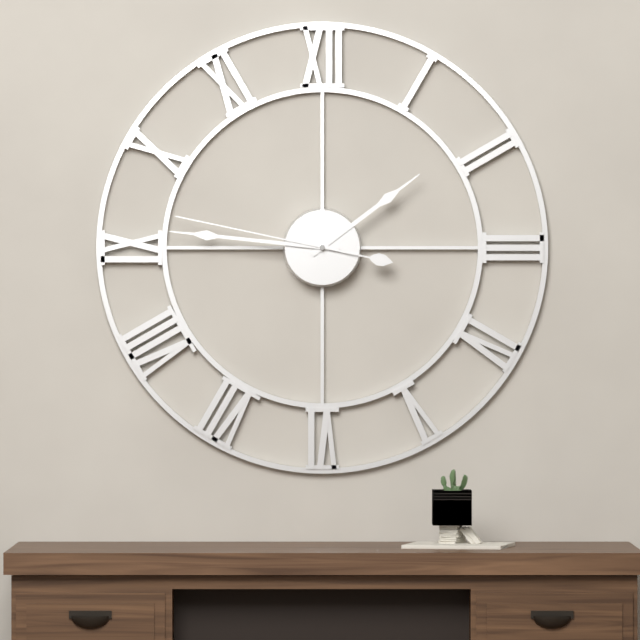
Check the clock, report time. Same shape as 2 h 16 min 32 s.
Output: 1 h 46 min 47 s
